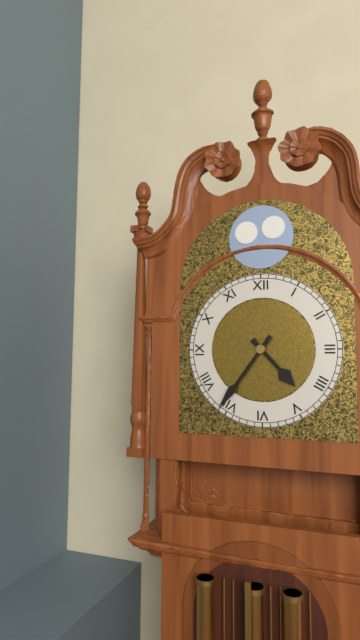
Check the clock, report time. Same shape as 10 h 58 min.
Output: 4 h 36 min
